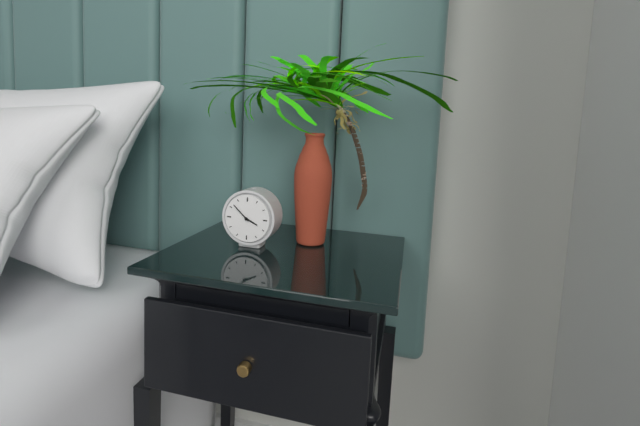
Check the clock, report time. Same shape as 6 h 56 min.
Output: 3 h 52 min
